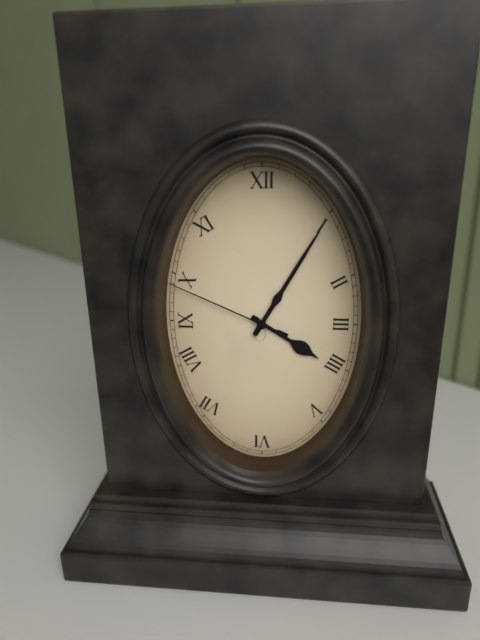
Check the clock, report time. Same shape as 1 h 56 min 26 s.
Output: 4 h 05 min 49 s
